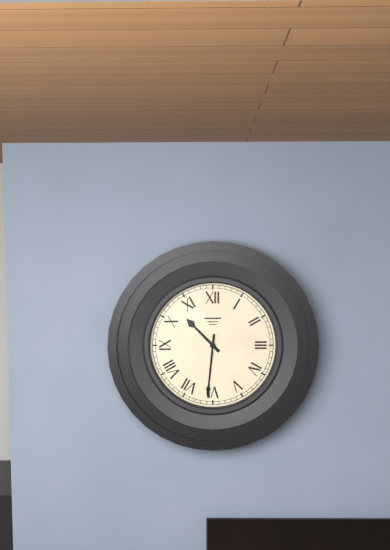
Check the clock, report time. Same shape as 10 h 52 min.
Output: 10 h 31 min
